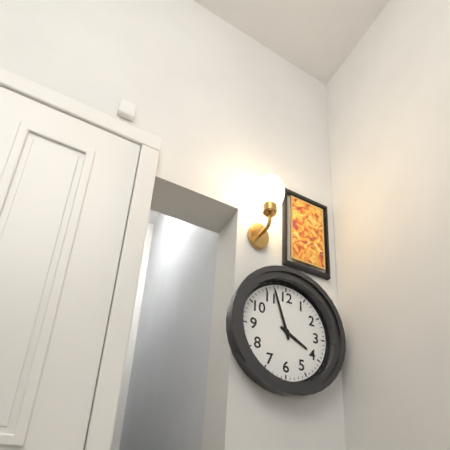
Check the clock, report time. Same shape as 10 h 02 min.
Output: 3 h 57 min
